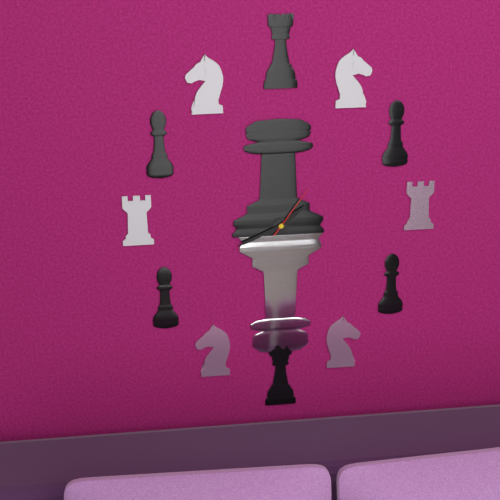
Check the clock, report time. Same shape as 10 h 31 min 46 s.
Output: 1 h 41 min 06 s
